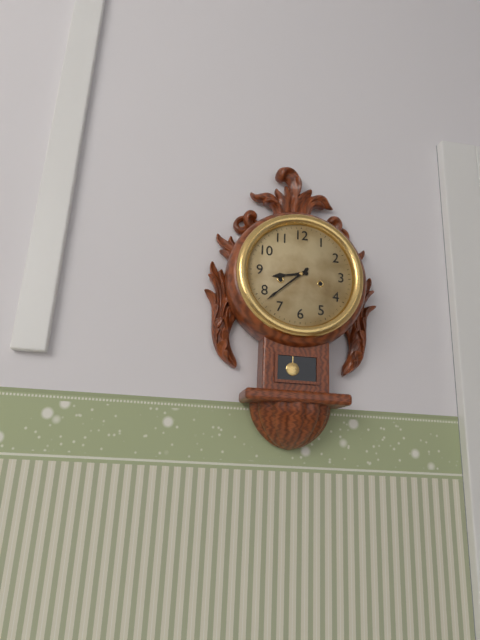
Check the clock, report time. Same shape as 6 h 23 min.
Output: 8 h 38 min
